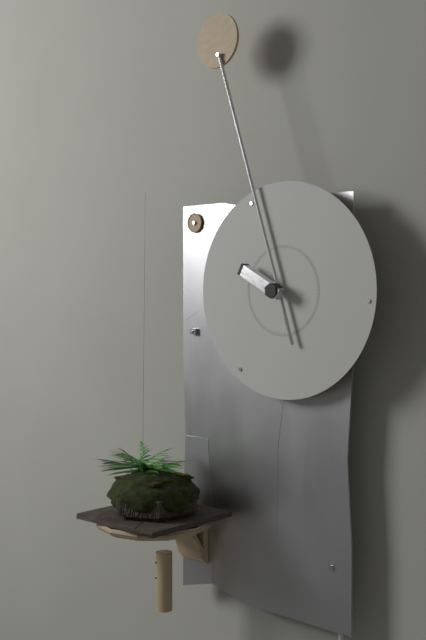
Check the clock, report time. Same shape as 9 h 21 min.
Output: 9 h 57 min
